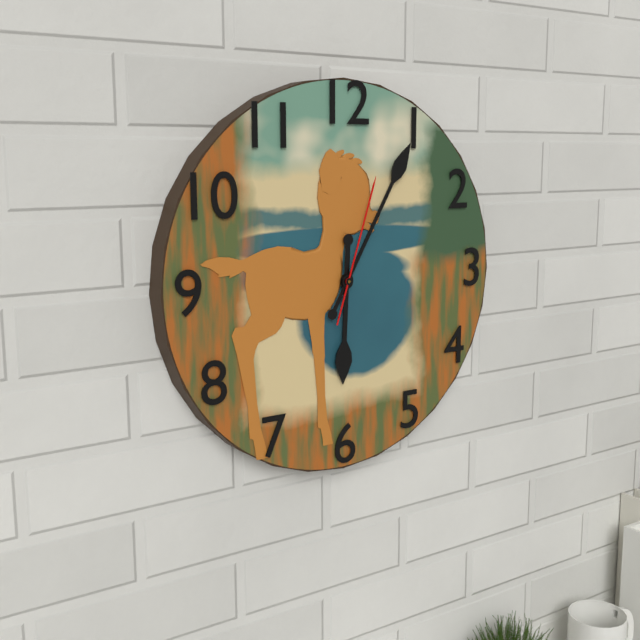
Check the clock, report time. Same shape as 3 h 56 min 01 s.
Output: 6 h 05 min 03 s
